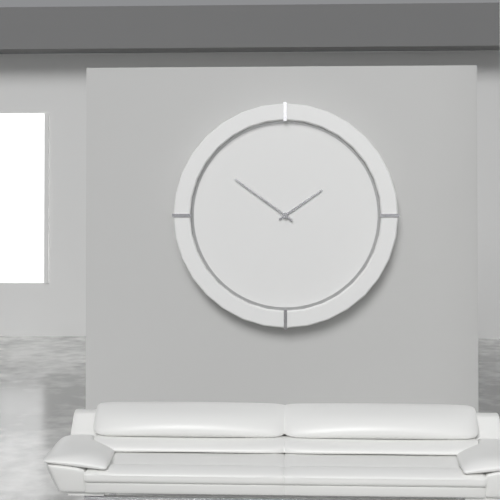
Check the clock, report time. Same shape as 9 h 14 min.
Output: 1 h 51 min
